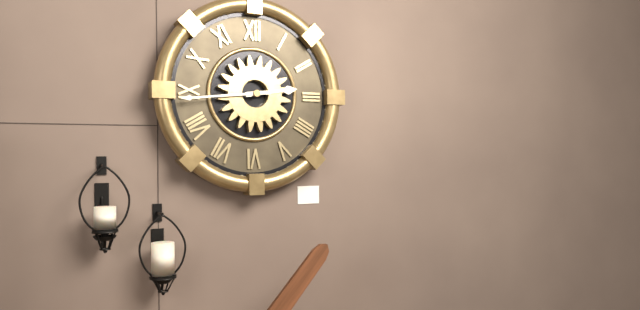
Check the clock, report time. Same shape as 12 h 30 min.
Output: 2 h 44 min
